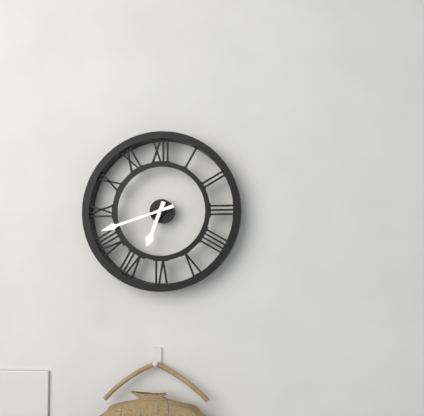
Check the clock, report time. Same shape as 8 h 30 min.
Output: 6 h 42 min
